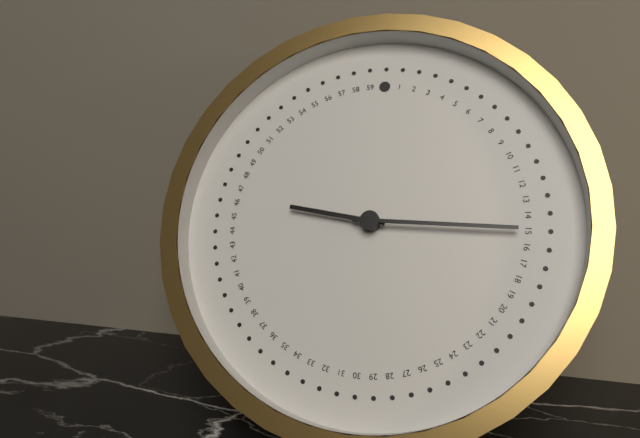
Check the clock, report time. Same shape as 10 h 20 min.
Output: 9 h 15 min
